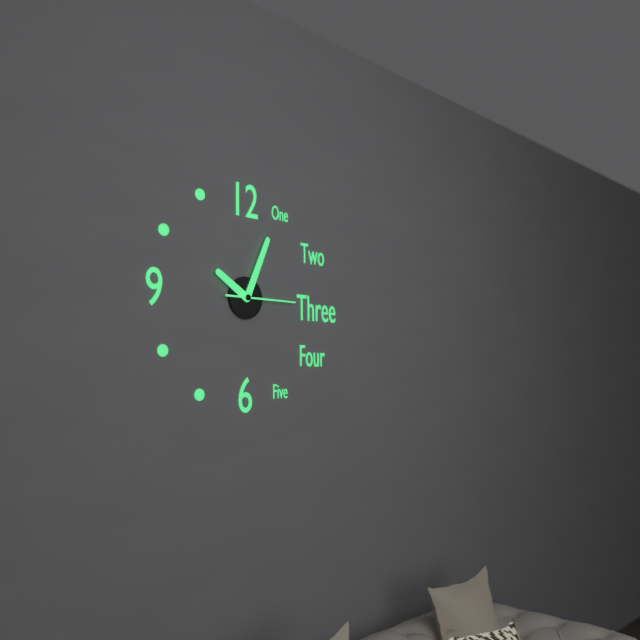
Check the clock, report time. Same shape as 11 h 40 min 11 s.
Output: 10 h 04 min 15 s
